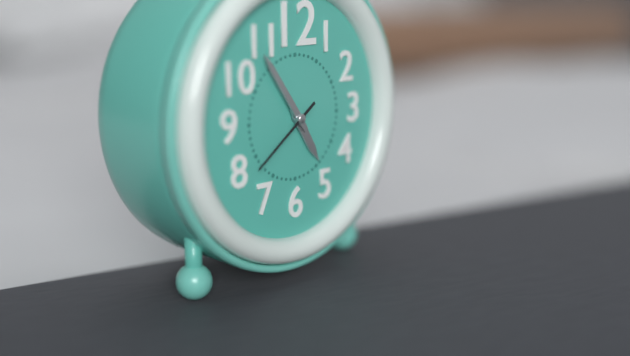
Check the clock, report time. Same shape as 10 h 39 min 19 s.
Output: 4 h 54 min 39 s
